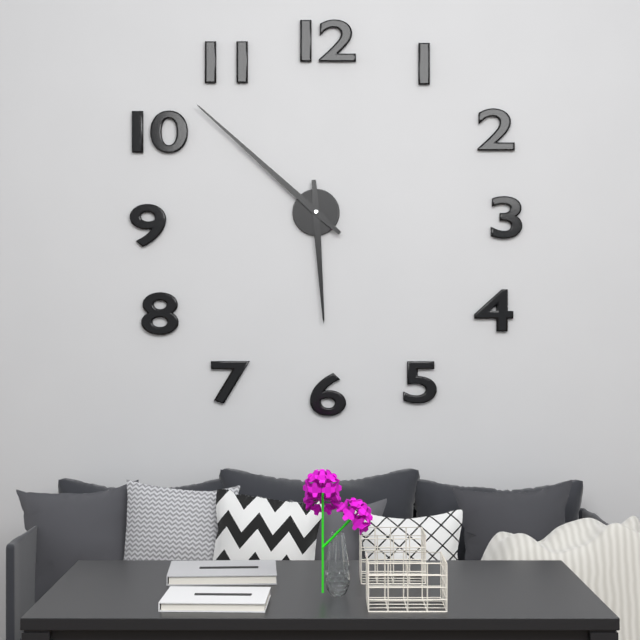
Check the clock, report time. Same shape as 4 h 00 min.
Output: 5 h 52 min
